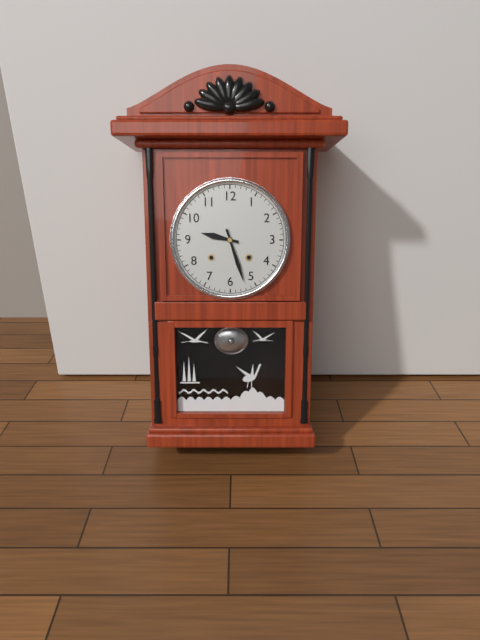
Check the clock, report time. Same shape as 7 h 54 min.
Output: 9 h 27 min
